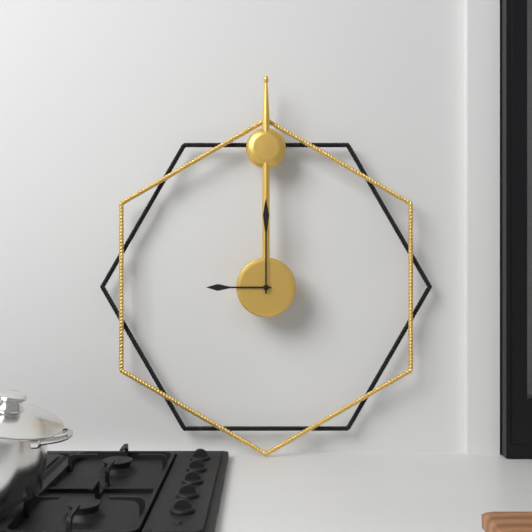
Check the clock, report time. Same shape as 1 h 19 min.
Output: 9 h 00 min
